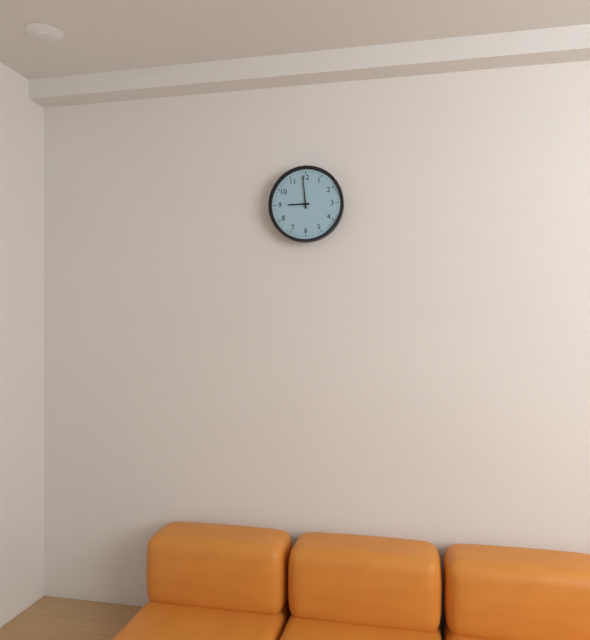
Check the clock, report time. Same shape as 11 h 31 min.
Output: 8 h 59 min
